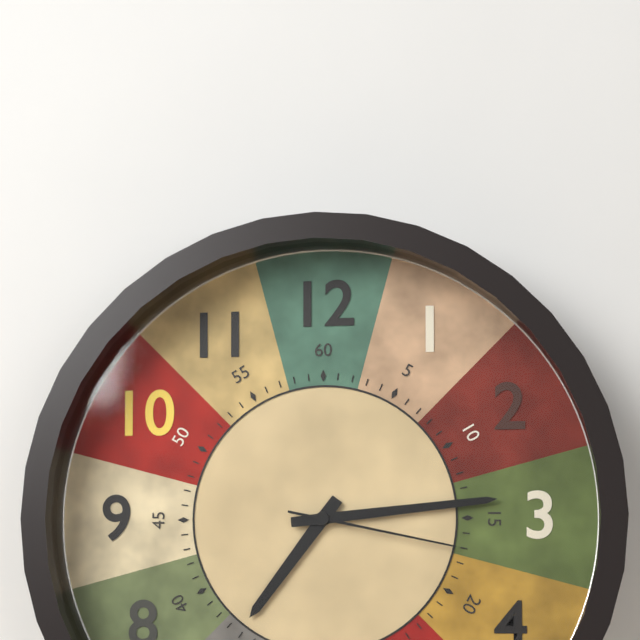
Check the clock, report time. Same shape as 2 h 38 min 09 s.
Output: 7 h 14 min 17 s
